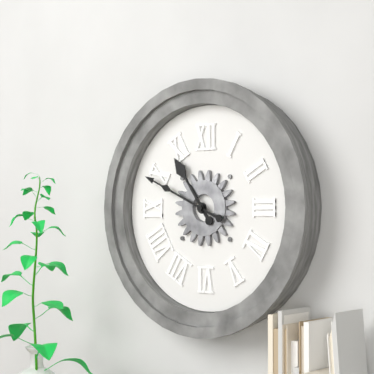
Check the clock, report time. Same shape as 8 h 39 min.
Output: 10 h 49 min
